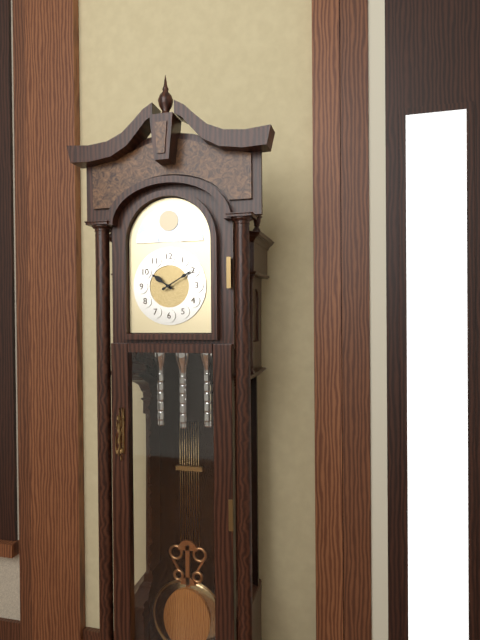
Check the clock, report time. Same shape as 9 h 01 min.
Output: 10 h 10 min
